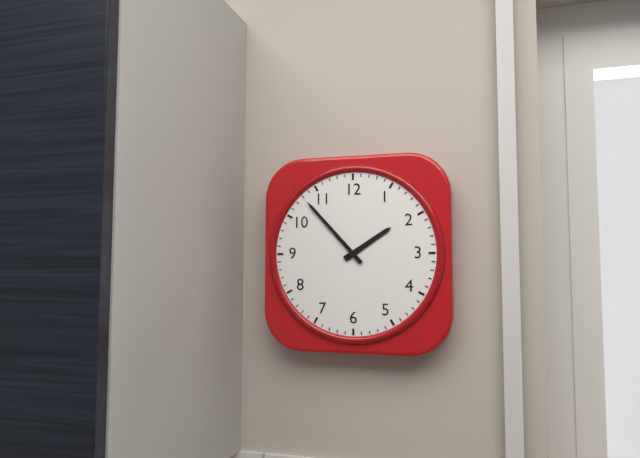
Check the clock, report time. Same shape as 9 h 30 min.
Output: 1 h 53 min
